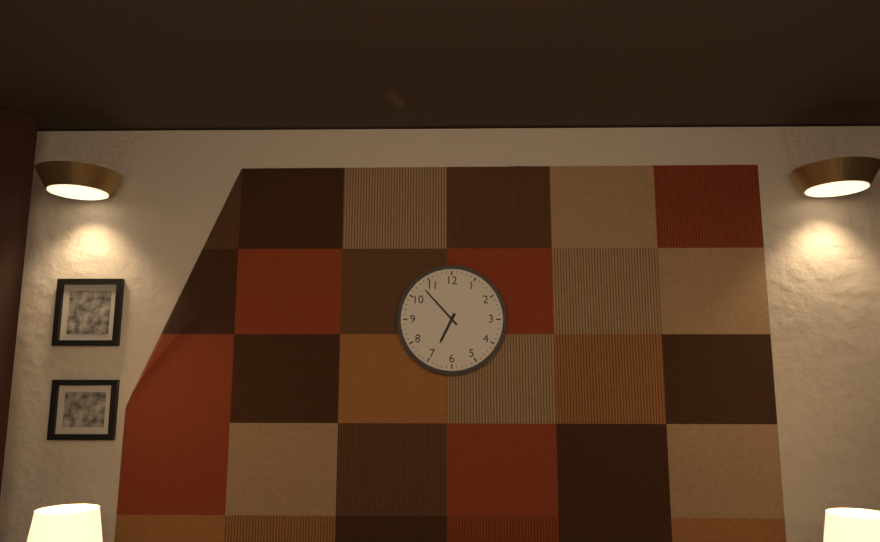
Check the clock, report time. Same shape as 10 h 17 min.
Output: 6 h 53 min
